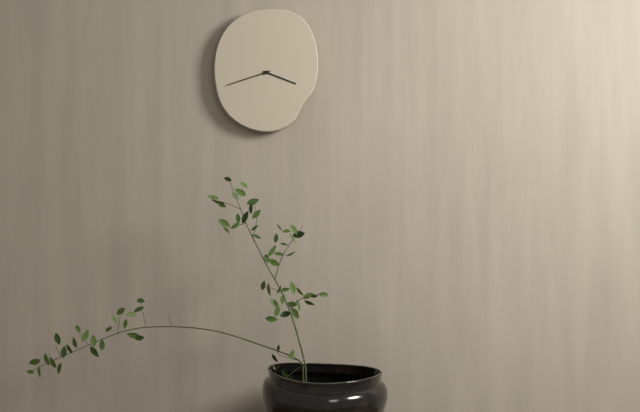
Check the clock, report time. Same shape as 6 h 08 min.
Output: 3 h 42 min
